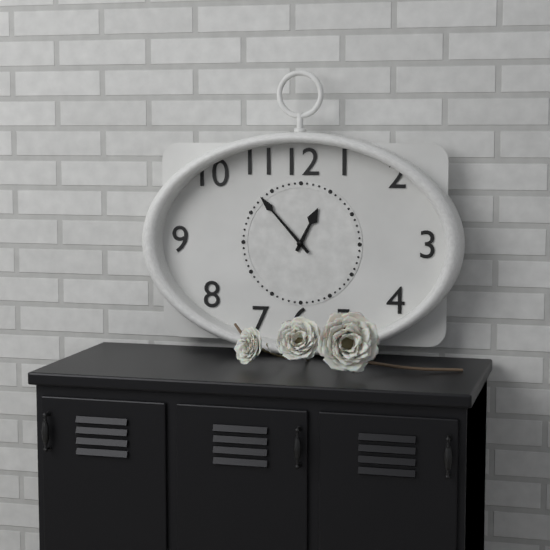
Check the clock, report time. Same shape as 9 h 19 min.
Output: 12 h 53 min
